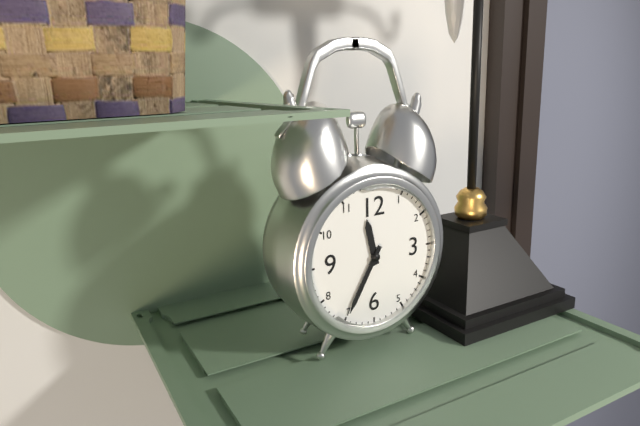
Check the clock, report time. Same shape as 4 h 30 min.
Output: 11 h 35 min
